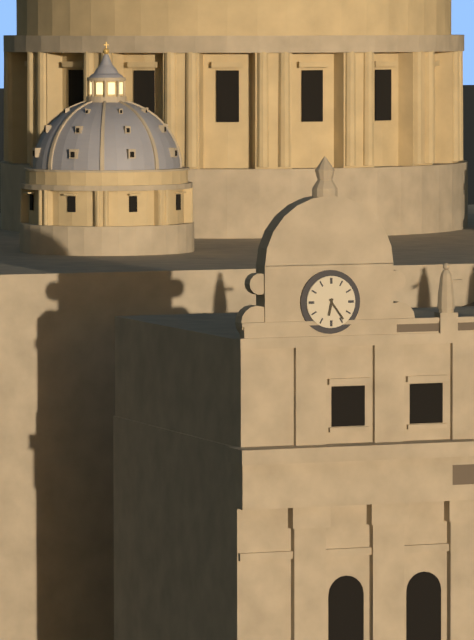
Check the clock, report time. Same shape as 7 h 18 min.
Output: 6 h 24 min
